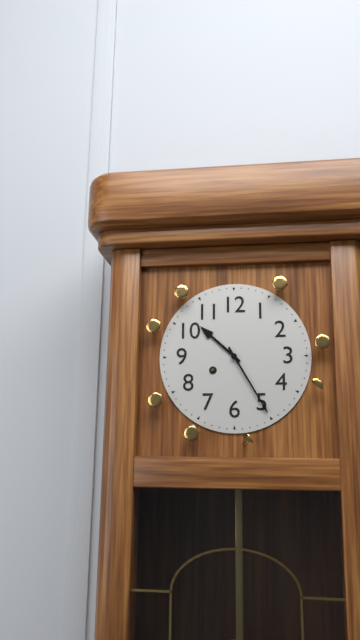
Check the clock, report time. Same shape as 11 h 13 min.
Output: 10 h 25 min
